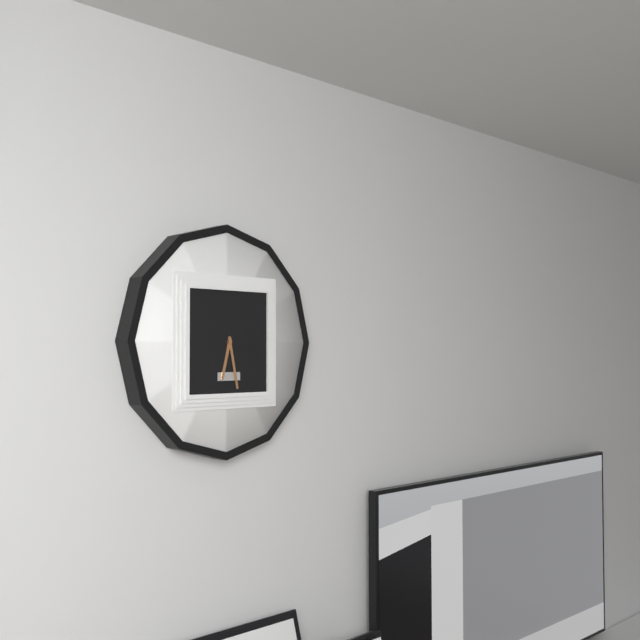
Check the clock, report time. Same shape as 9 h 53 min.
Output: 6 h 28 min
